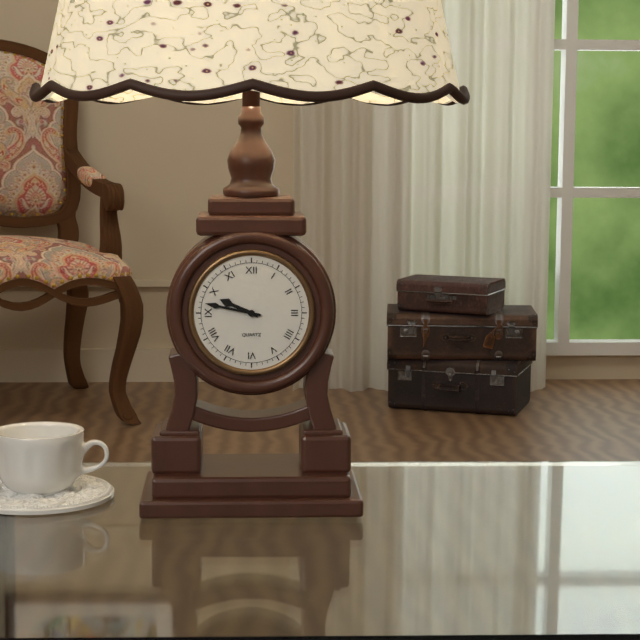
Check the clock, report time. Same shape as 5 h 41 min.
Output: 9 h 47 min
